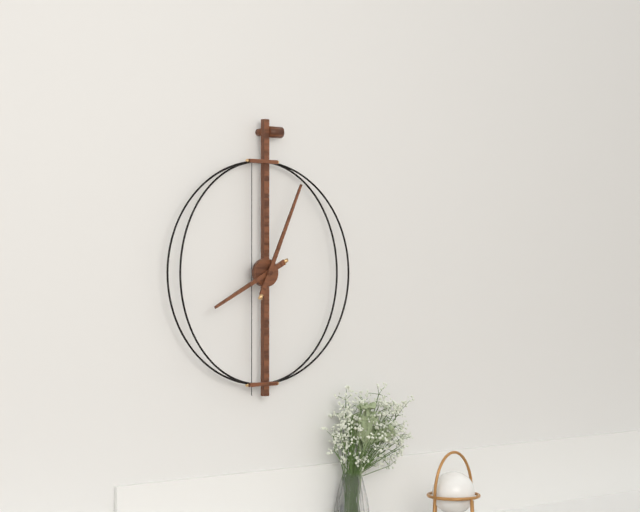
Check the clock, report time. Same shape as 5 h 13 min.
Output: 8 h 04 min
